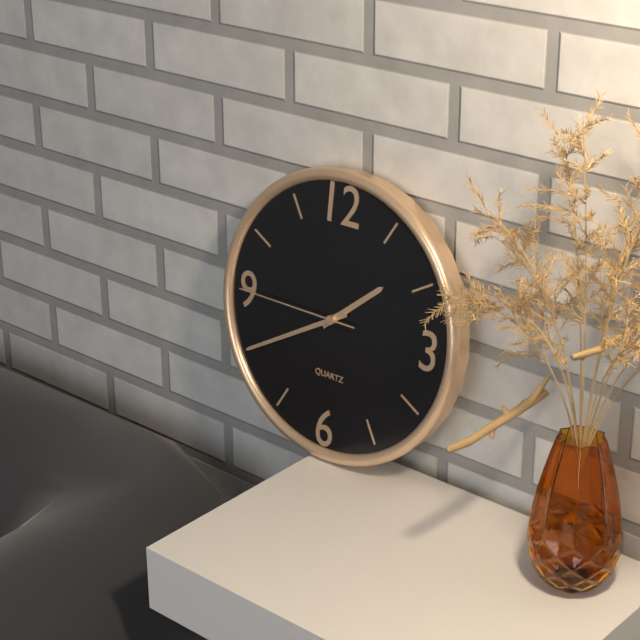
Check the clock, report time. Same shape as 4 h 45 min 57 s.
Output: 1 h 40 min 45 s
